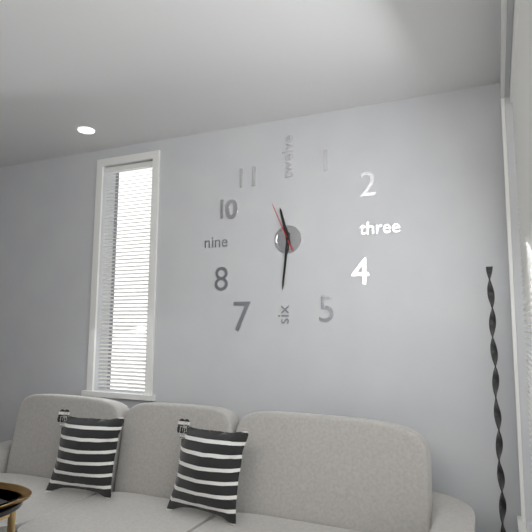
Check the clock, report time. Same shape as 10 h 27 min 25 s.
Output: 11 h 31 min 56 s
